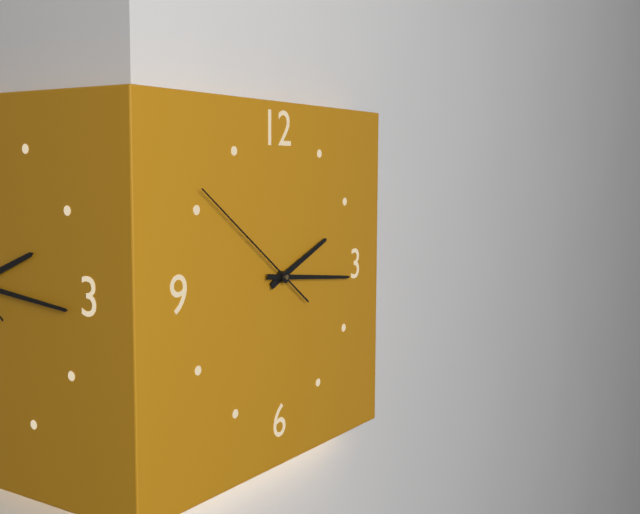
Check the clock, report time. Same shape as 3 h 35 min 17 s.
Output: 2 h 16 min 51 s
